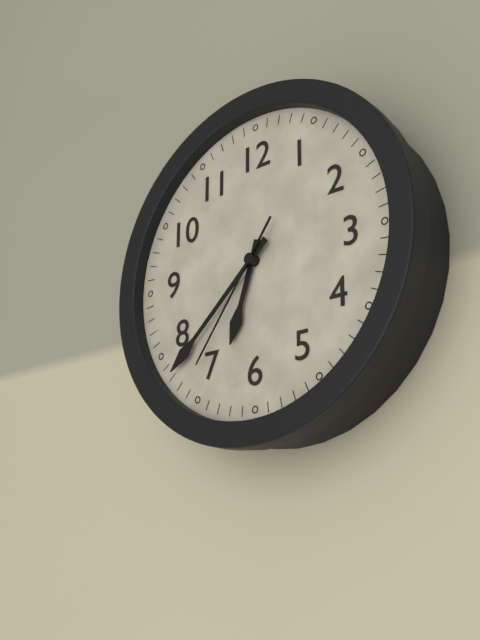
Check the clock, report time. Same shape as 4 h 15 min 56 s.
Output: 6 h 38 min 36 s
